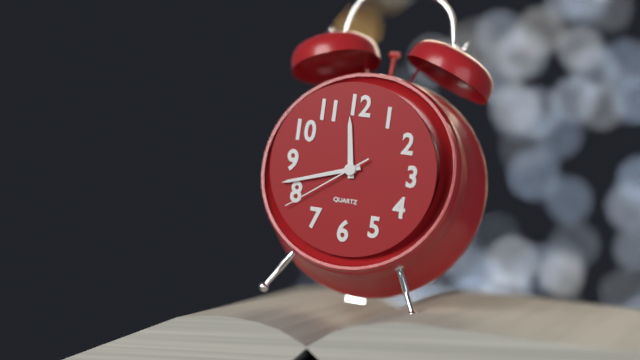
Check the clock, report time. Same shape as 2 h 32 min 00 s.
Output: 11 h 42 min 39 s
